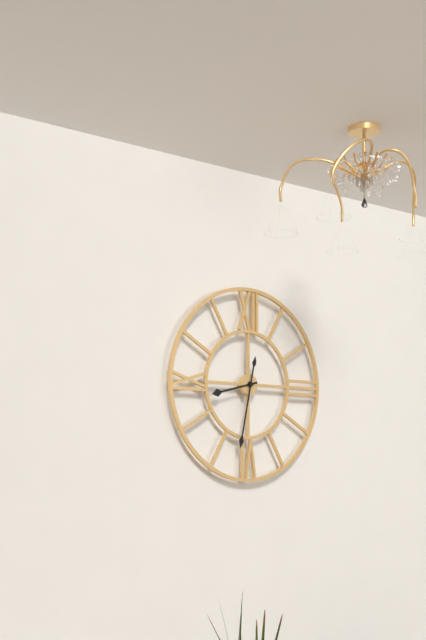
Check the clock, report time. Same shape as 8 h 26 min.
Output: 8 h 32 min
